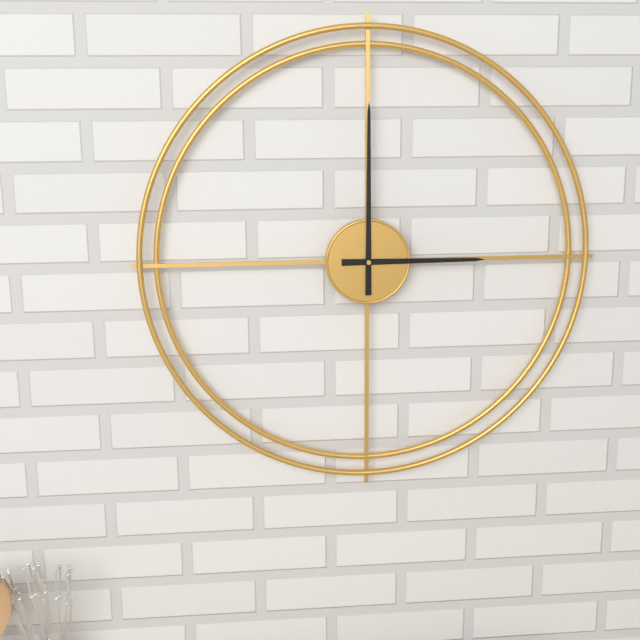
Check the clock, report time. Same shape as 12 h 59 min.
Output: 3 h 00 min
